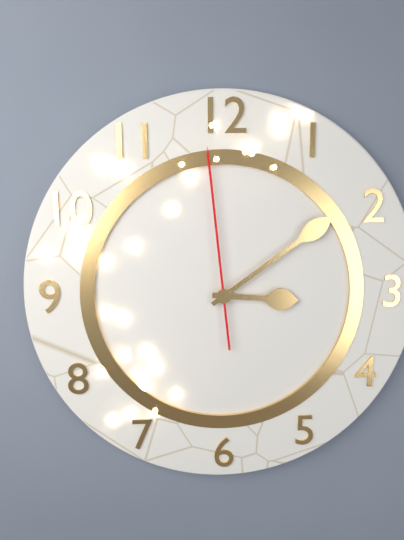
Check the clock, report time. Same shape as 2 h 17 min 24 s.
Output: 3 h 09 min 59 s
